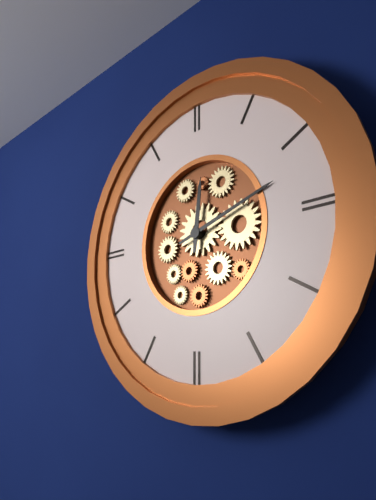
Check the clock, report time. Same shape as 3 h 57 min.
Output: 12 h 12 min
